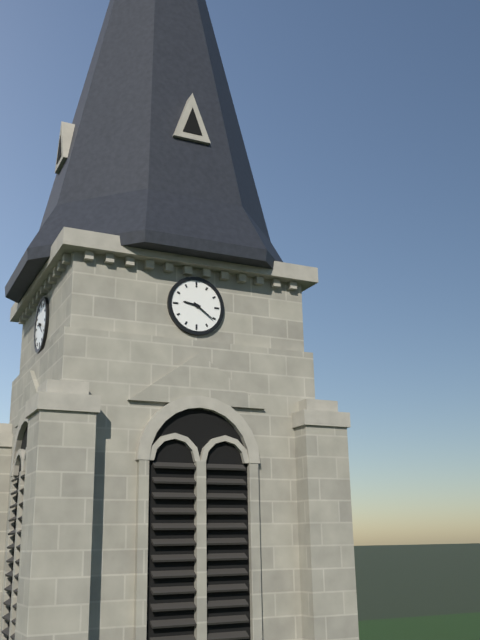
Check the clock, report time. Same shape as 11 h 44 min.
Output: 9 h 21 min
